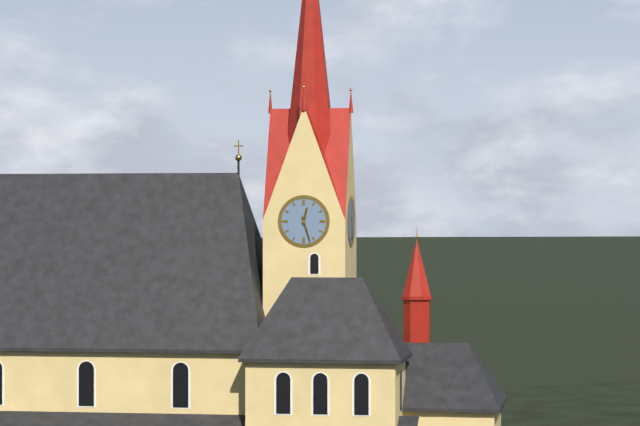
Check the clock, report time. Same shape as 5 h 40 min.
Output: 12 h 27 min
